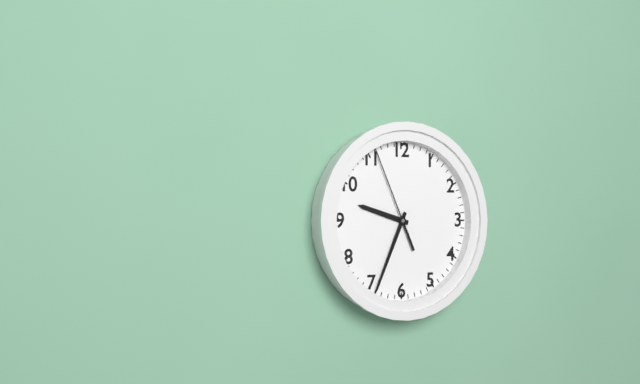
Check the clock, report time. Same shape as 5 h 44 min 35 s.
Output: 9 h 34 min 56 s
